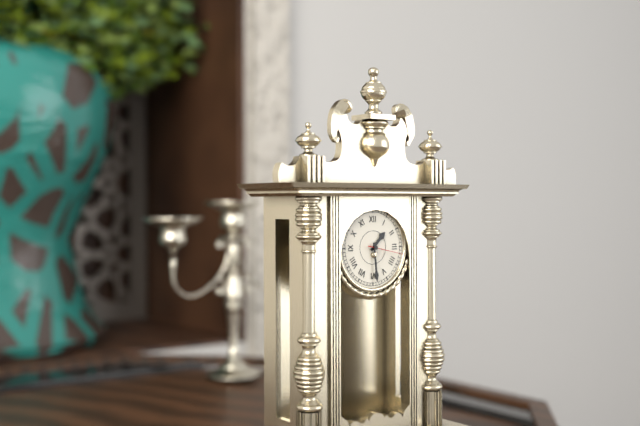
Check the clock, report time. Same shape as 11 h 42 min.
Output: 1 h 29 min
